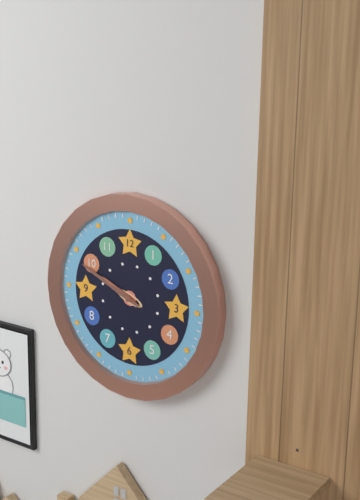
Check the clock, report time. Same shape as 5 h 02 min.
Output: 9 h 49 min
